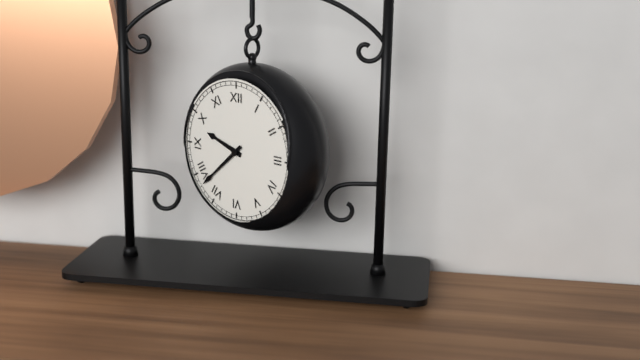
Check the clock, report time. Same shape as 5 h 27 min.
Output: 9 h 38 min
